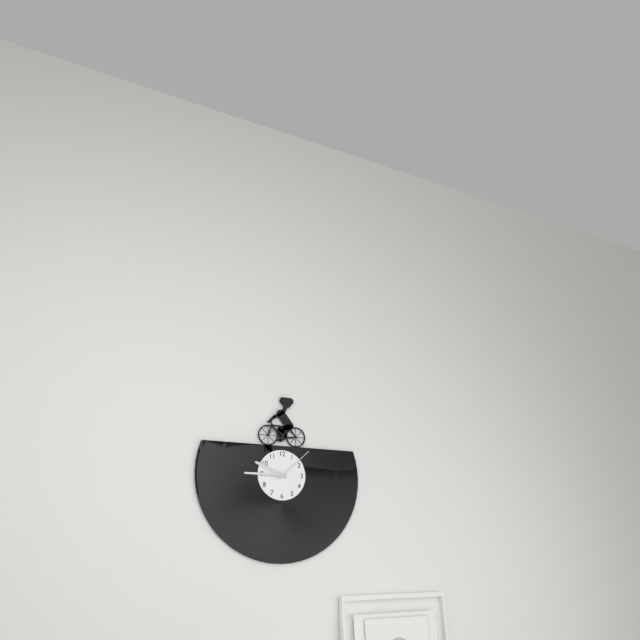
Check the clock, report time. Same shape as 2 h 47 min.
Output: 9 h 45 min
